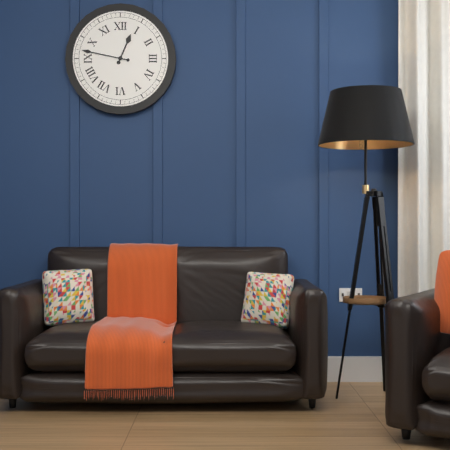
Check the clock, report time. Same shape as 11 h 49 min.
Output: 12 h 47 min
